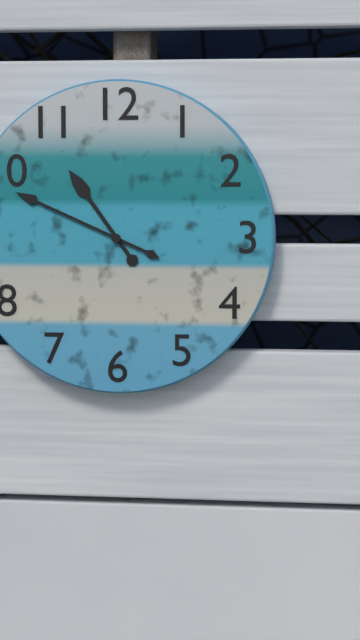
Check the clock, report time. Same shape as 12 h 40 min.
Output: 10 h 49 min
